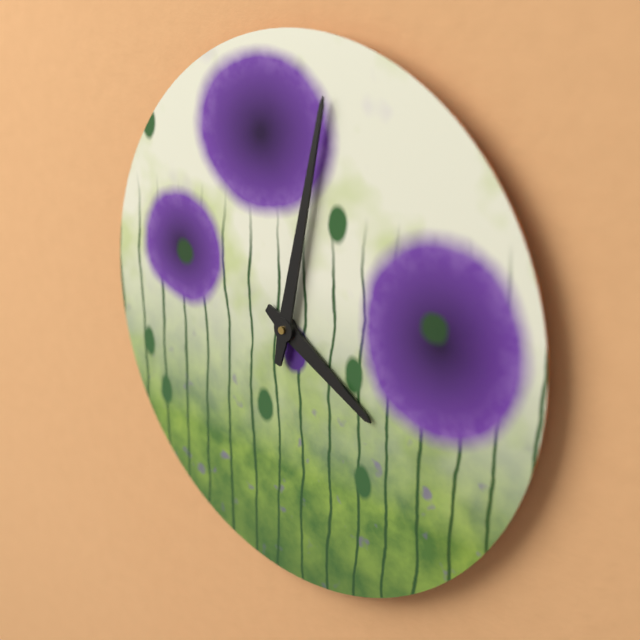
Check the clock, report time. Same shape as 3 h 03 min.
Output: 4 h 02 min
